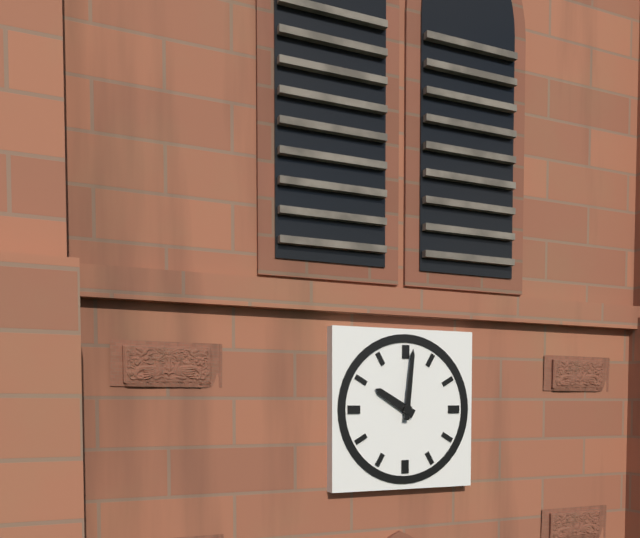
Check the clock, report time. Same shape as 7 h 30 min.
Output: 10 h 01 min
